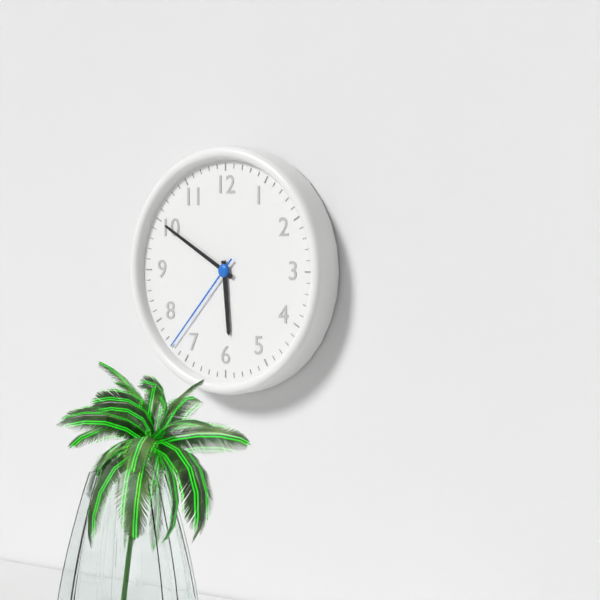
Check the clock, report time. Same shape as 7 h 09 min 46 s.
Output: 5 h 50 min 37 s
